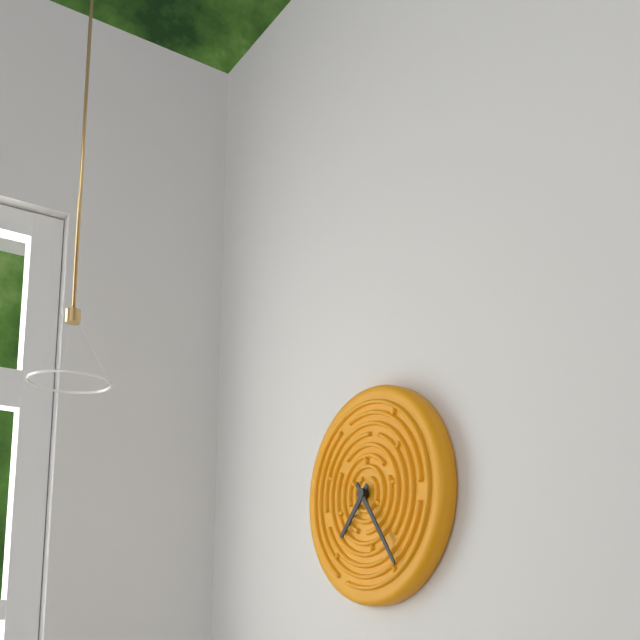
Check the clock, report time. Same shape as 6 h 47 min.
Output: 7 h 24 min
